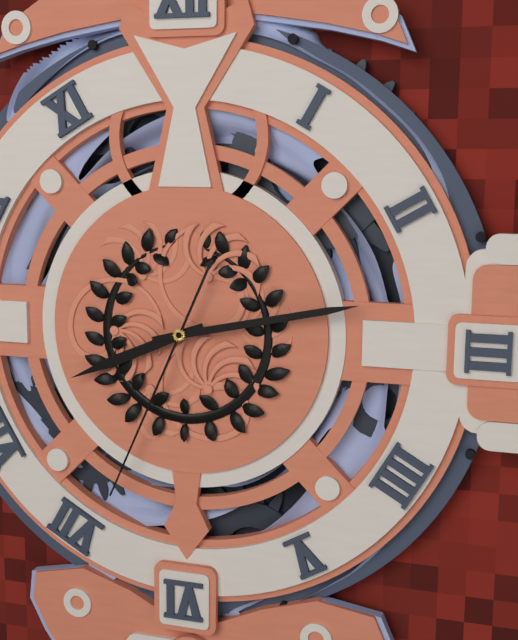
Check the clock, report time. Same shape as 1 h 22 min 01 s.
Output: 8 h 13 min 34 s
